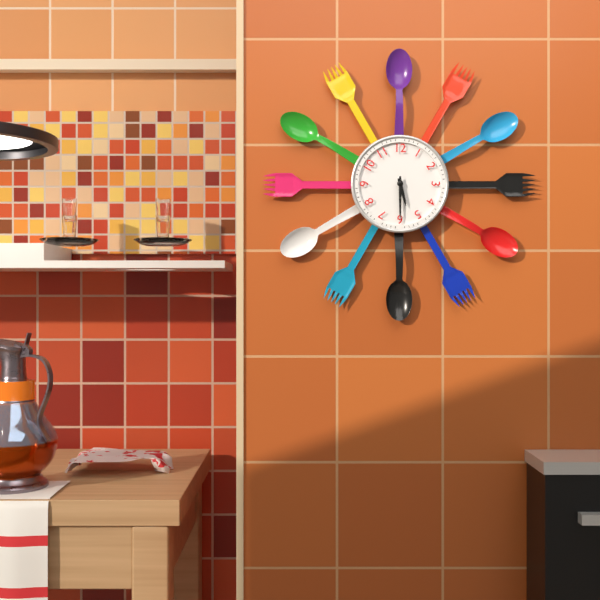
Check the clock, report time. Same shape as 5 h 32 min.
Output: 5 h 30 min
